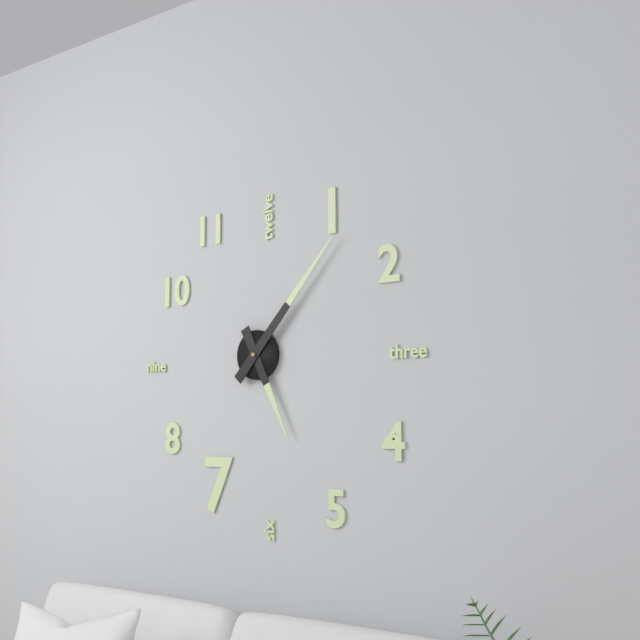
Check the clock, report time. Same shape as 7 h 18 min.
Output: 5 h 07 min
